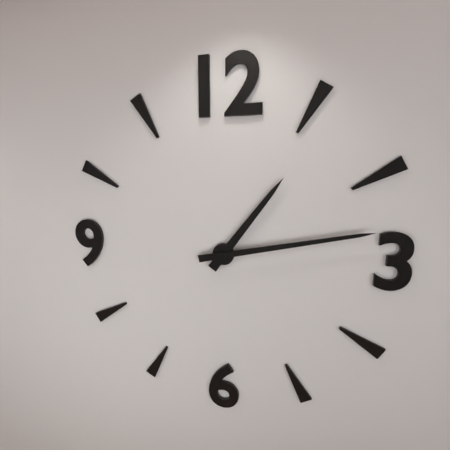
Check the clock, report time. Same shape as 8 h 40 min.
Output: 1 h 13 min
